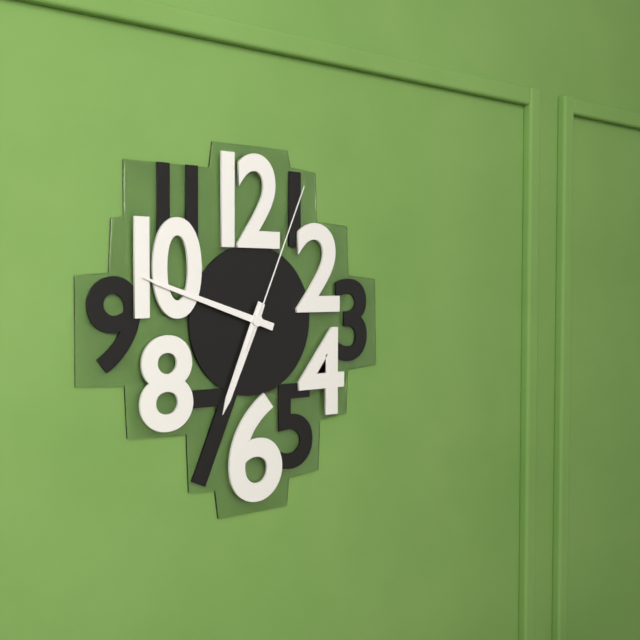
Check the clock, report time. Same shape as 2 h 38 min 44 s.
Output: 6 h 48 min 04 s
